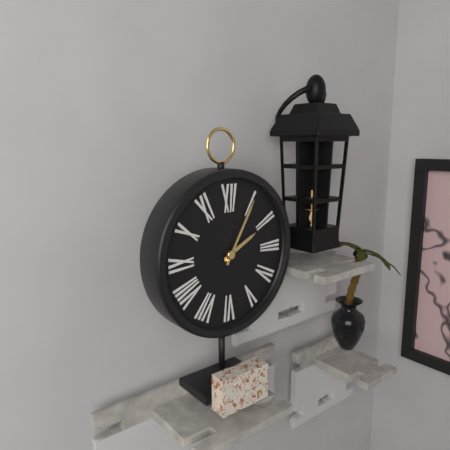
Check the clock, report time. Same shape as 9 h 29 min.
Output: 2 h 05 min
